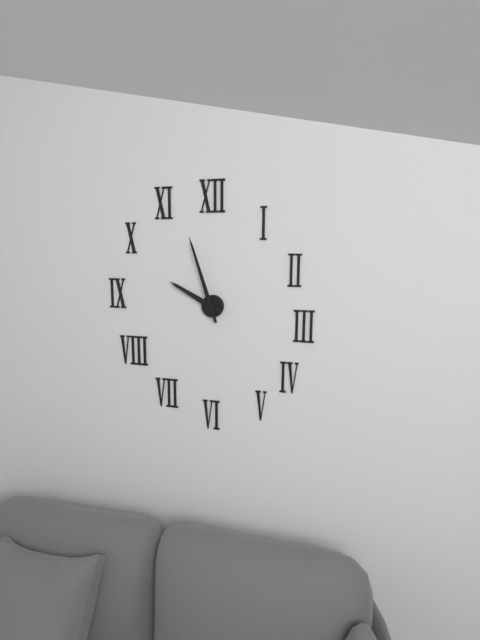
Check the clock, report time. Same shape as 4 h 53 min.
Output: 9 h 57 min
